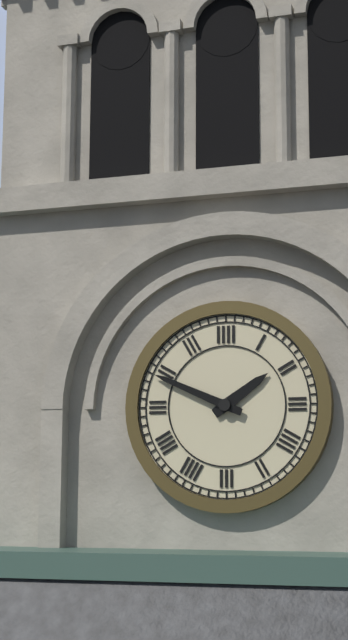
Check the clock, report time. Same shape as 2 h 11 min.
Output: 1 h 49 min
